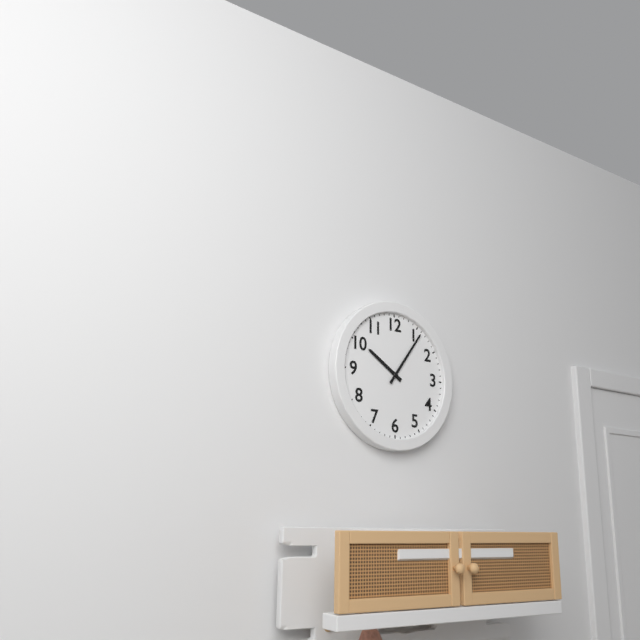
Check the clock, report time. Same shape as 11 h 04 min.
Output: 10 h 06 min
